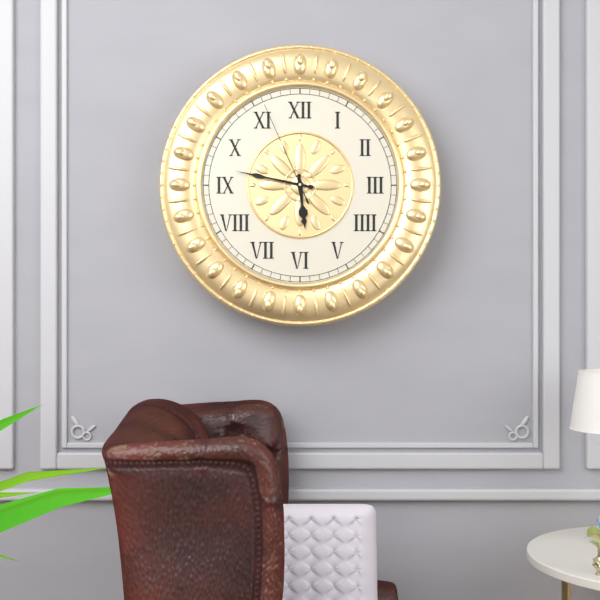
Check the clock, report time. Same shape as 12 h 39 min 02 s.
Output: 5 h 47 min 56 s
